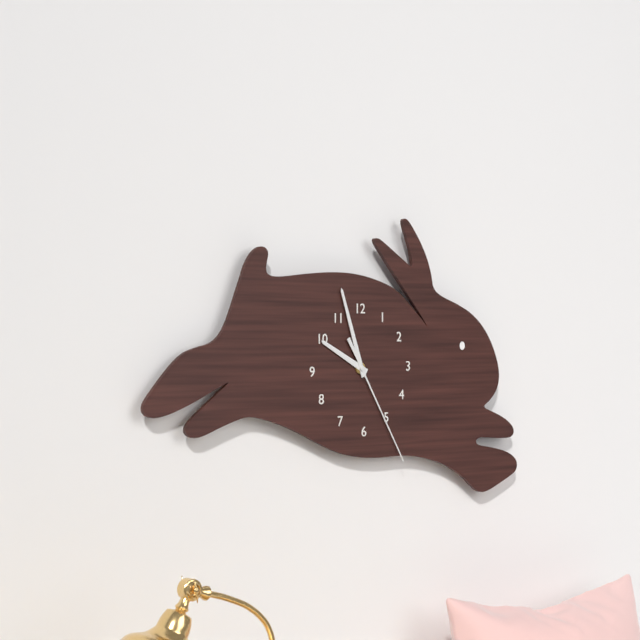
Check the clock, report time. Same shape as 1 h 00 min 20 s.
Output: 9 h 57 min 25 s
